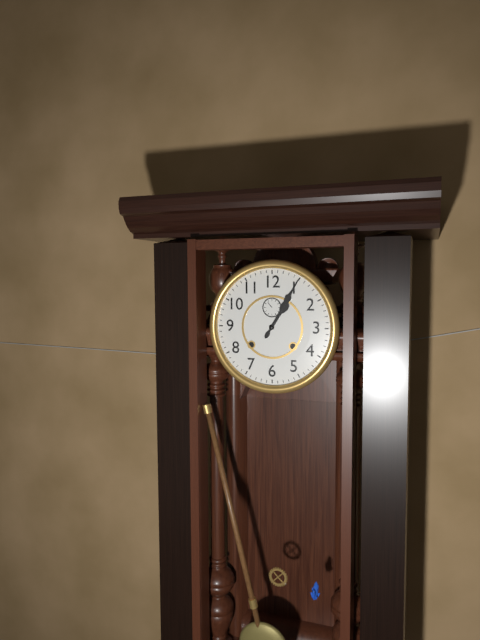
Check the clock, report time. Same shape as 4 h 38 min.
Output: 1 h 05 min
